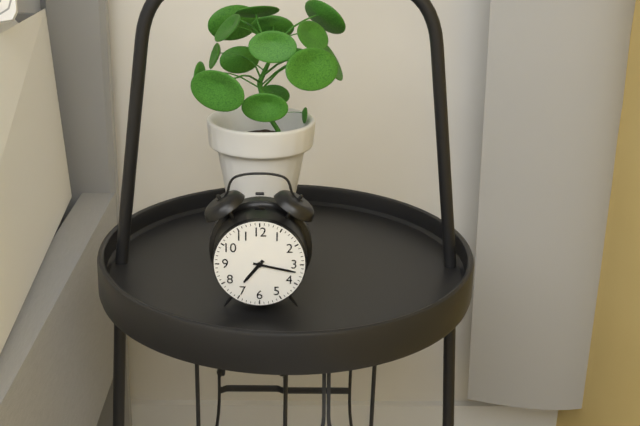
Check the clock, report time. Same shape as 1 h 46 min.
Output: 7 h 17 min
